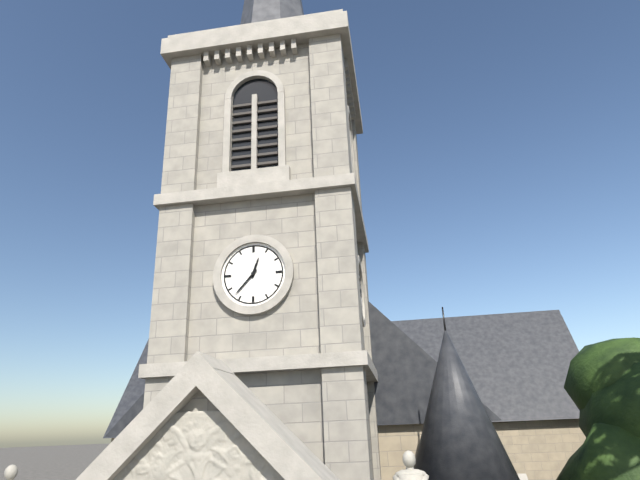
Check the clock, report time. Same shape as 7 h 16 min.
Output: 12 h 37 min
